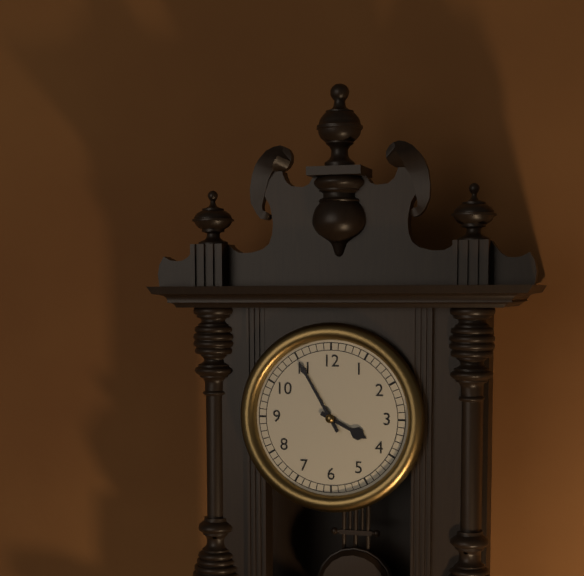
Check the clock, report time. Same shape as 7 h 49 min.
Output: 3 h 55 min
